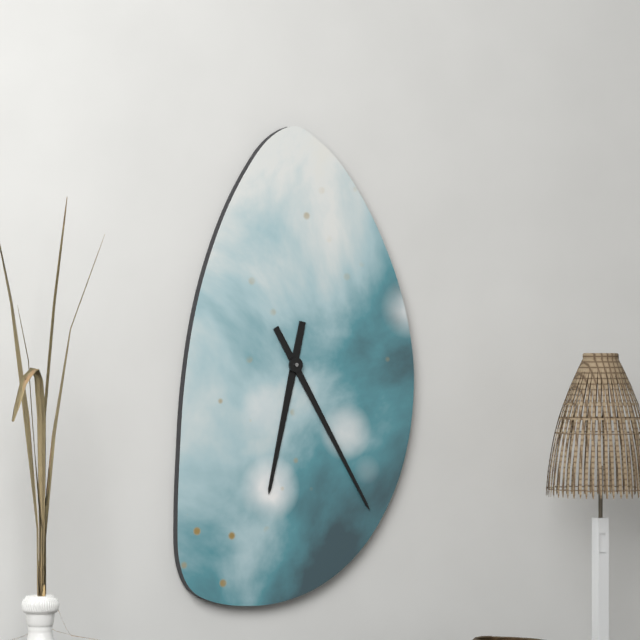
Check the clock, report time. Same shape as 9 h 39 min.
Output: 6 h 25 min
